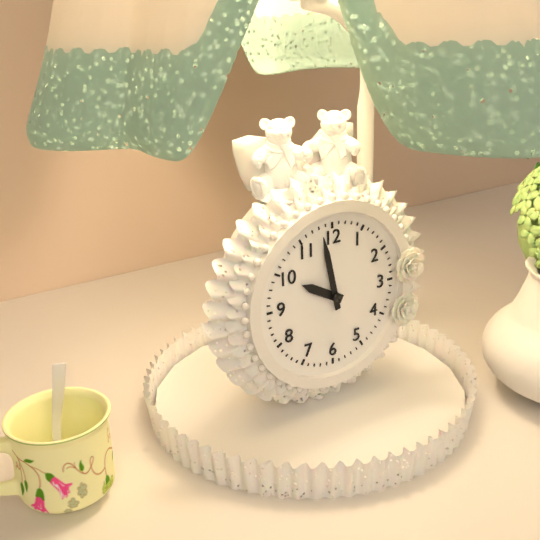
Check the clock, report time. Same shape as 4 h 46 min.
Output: 9 h 58 min
